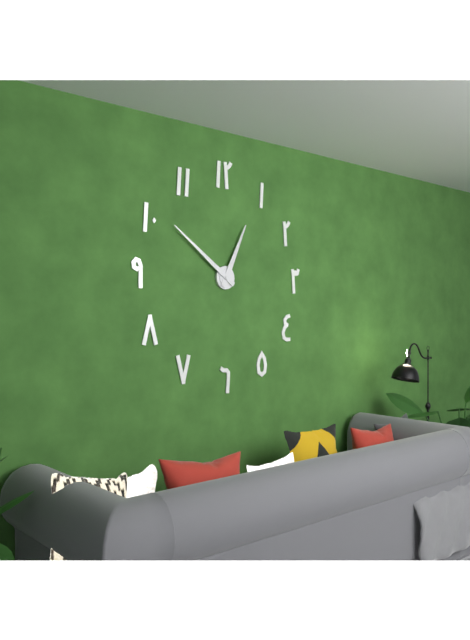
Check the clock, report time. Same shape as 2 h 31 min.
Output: 12 h 51 min
